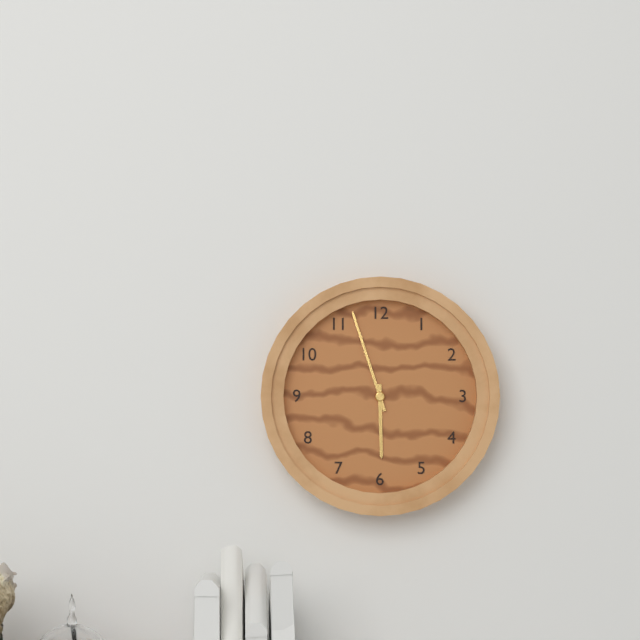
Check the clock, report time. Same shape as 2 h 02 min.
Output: 5 h 57 min
